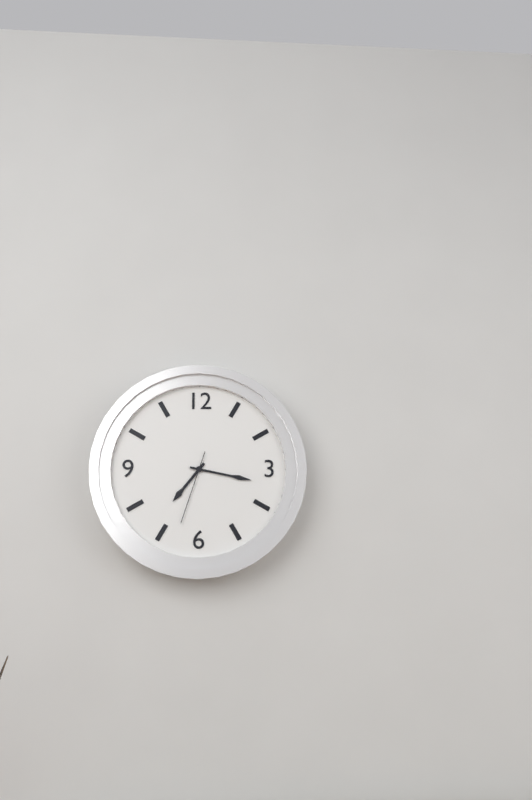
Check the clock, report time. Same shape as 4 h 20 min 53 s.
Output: 7 h 17 min 33 s
